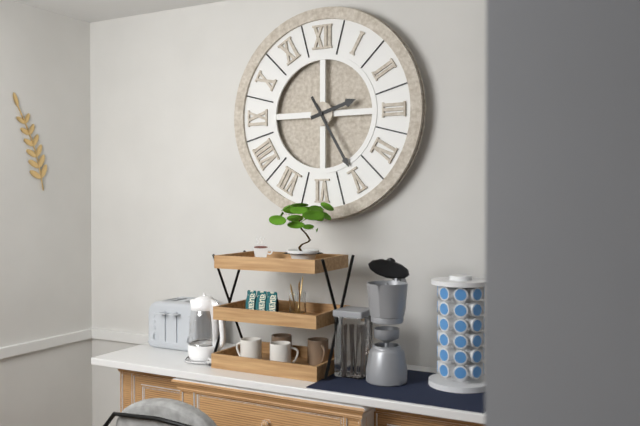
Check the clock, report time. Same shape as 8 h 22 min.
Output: 2 h 25 min
